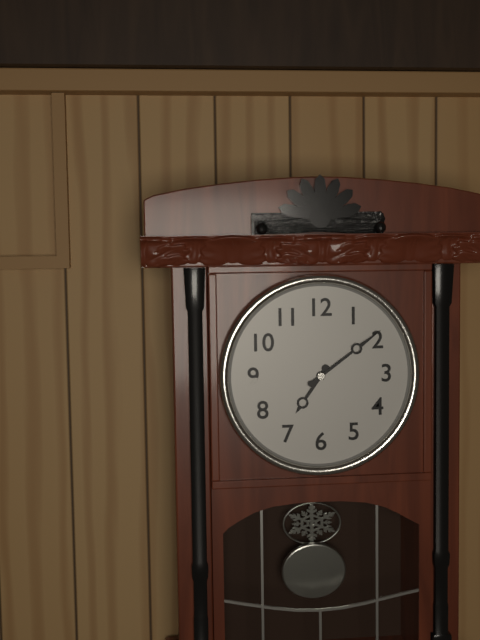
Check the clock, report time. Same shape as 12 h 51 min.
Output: 7 h 09 min
